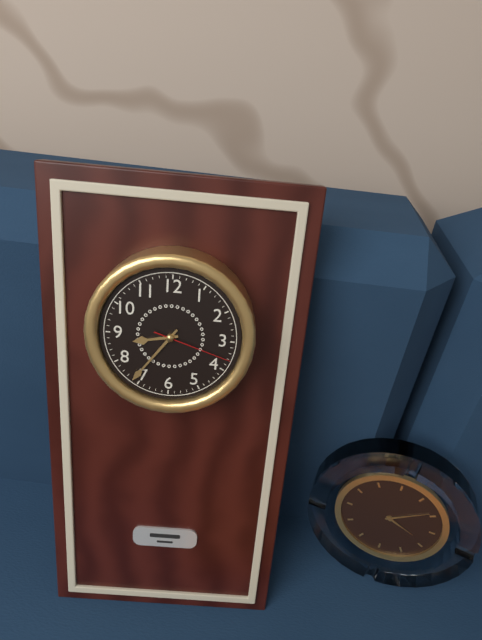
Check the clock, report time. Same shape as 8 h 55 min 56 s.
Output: 8 h 36 min 18 s
